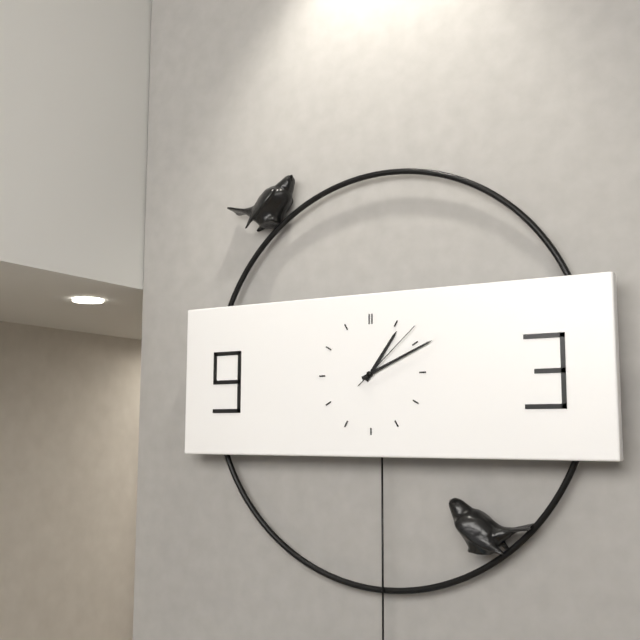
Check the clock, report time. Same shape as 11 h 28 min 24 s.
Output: 1 h 11 min 08 s
